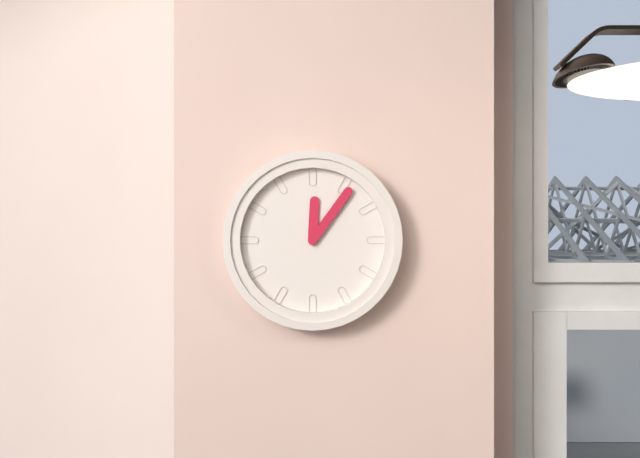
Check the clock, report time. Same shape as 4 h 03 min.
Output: 12 h 06 min
